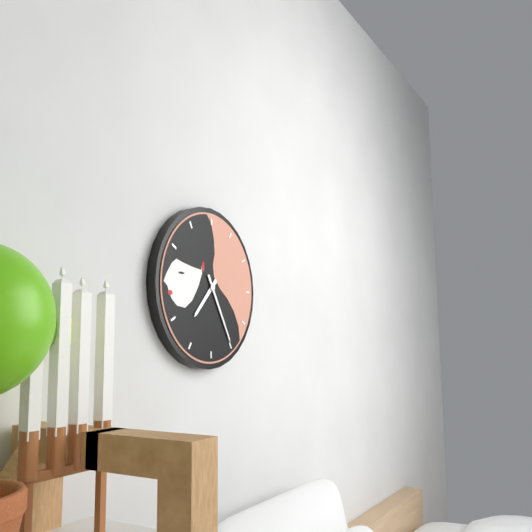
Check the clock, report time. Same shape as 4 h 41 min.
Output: 7 h 25 min
